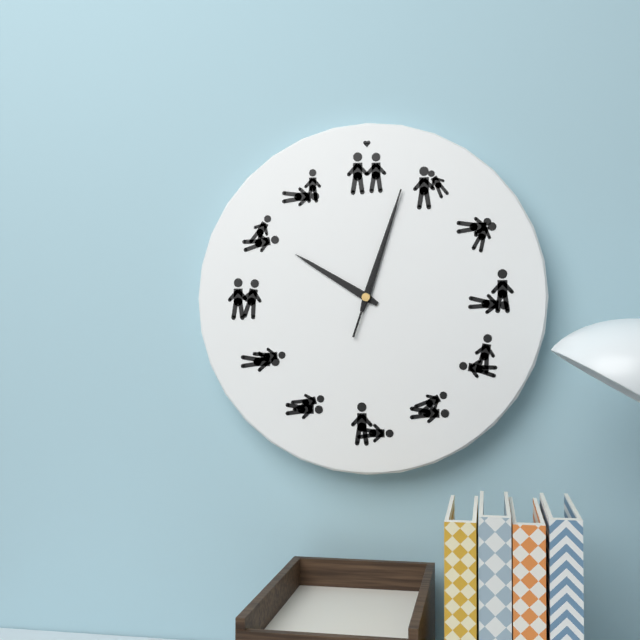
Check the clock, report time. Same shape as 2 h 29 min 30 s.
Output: 10 h 03 min 03 s
